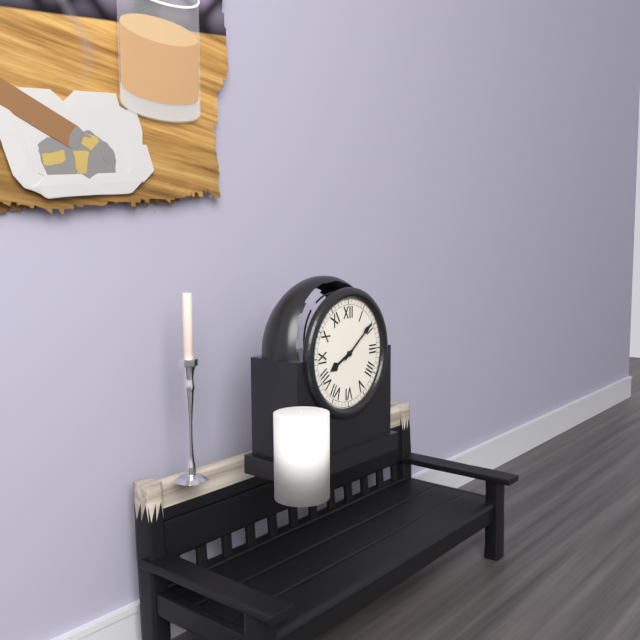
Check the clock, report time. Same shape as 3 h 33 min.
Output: 8 h 09 min
